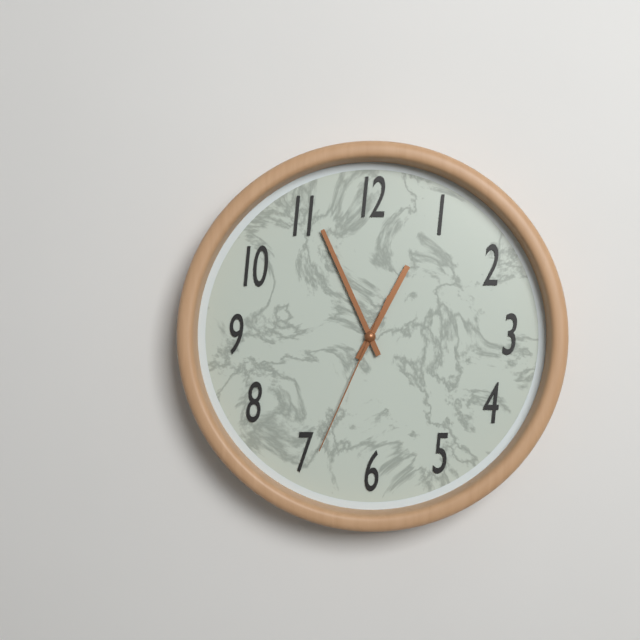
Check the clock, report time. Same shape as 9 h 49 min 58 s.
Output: 12 h 56 min 34 s
